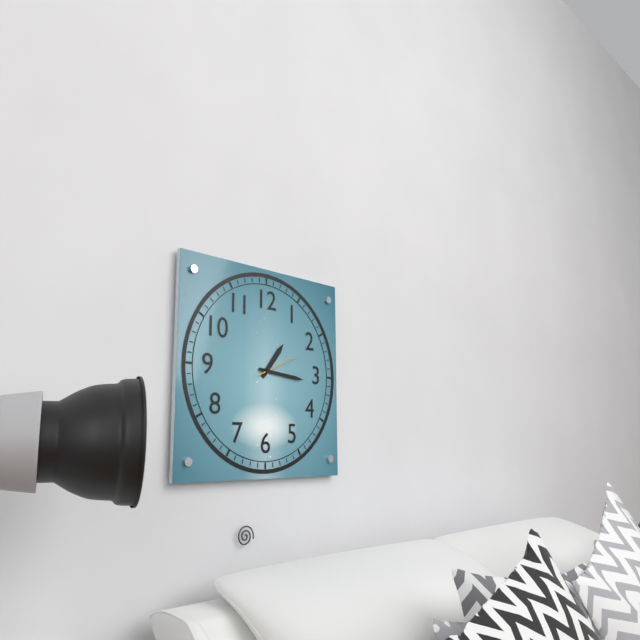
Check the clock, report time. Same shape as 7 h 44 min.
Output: 1 h 16 min
